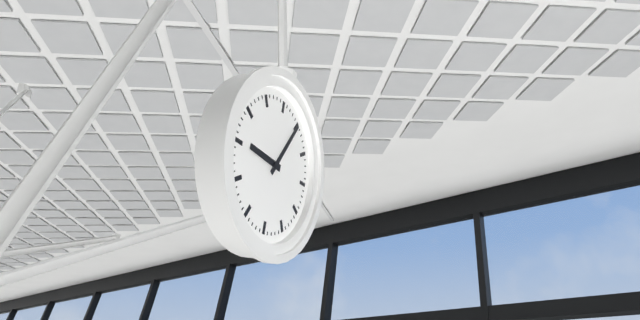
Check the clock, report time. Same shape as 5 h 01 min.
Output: 9 h 05 min
